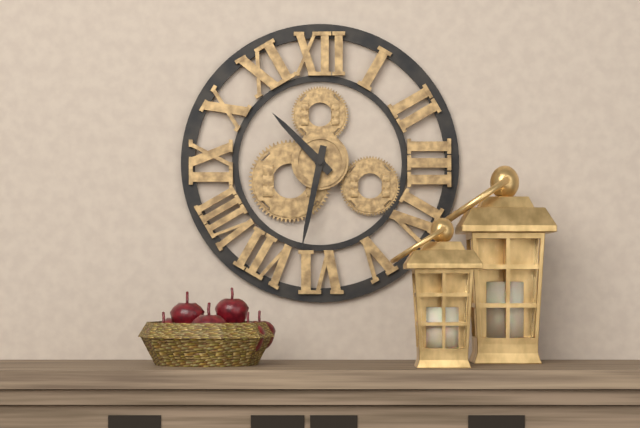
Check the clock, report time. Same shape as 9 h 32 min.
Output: 10 h 32 min
